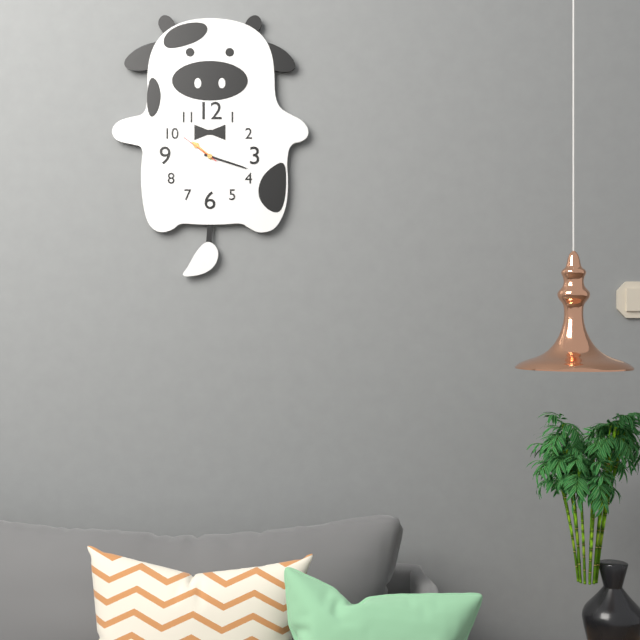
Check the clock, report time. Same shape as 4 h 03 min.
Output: 10 h 18 min
